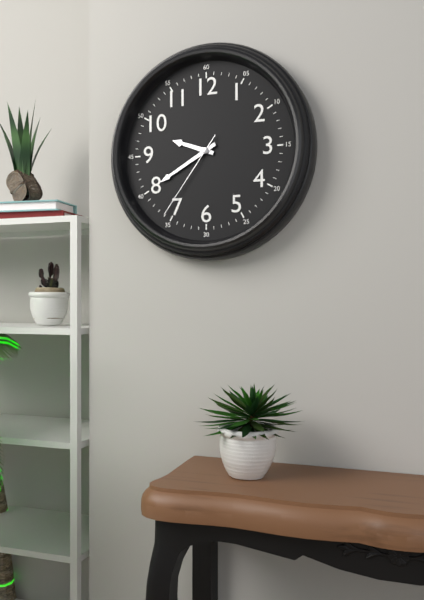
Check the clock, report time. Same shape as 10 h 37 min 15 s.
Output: 9 h 40 min 36 s
